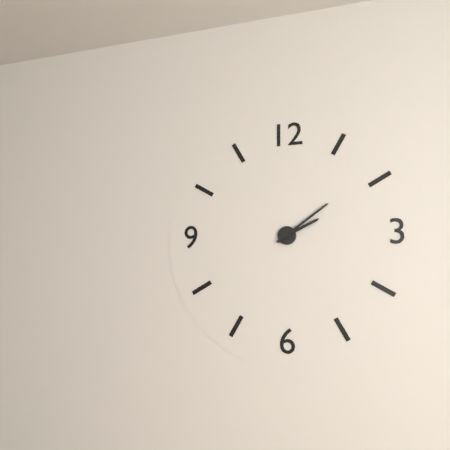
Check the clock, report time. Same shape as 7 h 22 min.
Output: 2 h 09 min
